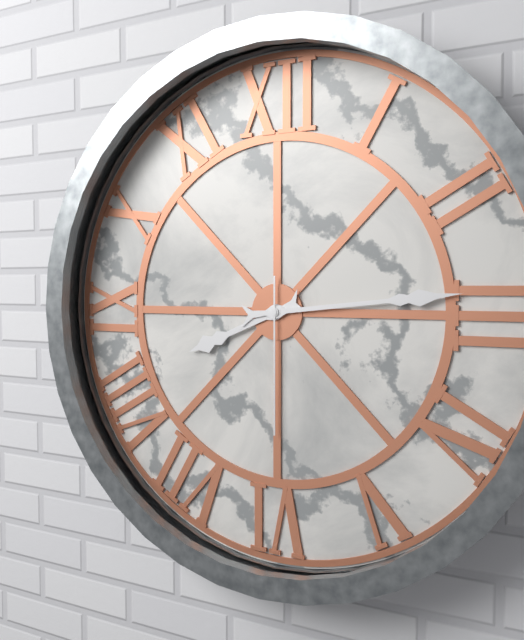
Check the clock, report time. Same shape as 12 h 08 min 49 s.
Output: 8 h 14 min 30 s
